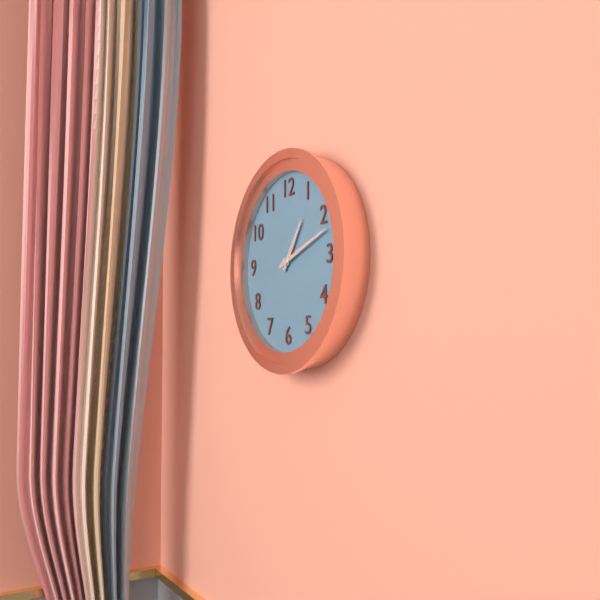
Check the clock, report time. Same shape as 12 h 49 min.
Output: 1 h 12 min
